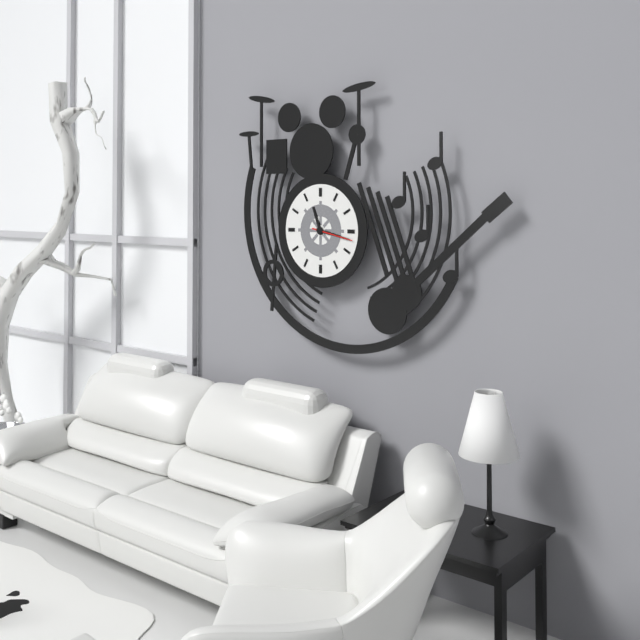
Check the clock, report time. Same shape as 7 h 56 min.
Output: 11 h 17 min
